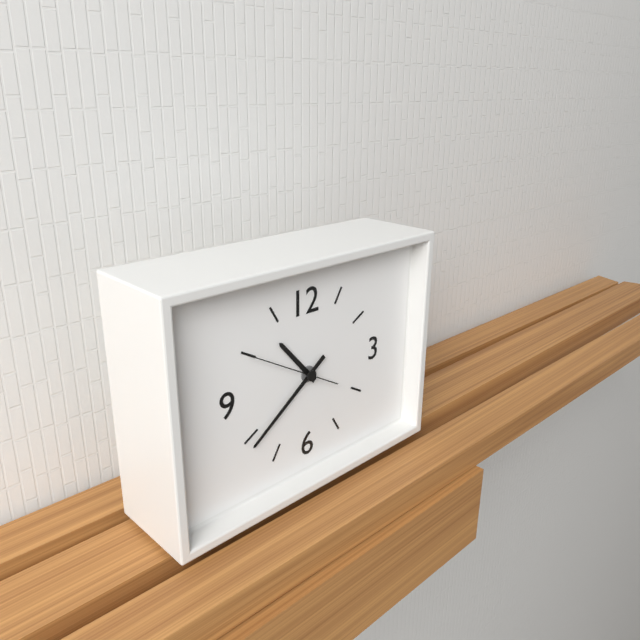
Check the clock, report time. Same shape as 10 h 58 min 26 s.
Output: 10 h 39 min 50 s
